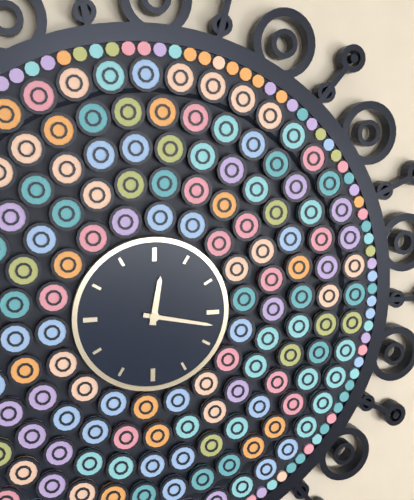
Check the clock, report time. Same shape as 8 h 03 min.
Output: 12 h 17 min
